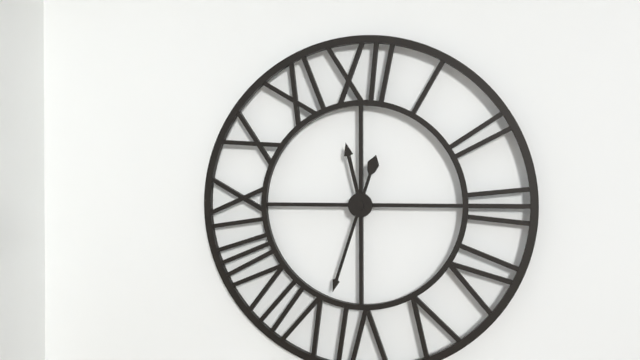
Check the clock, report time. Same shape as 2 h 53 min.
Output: 11 h 33 min
